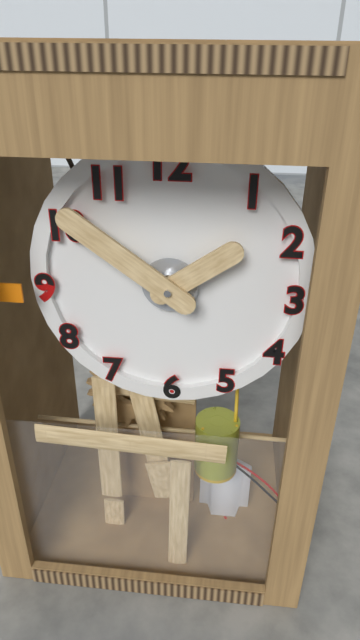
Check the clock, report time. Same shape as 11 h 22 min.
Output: 1 h 51 min
